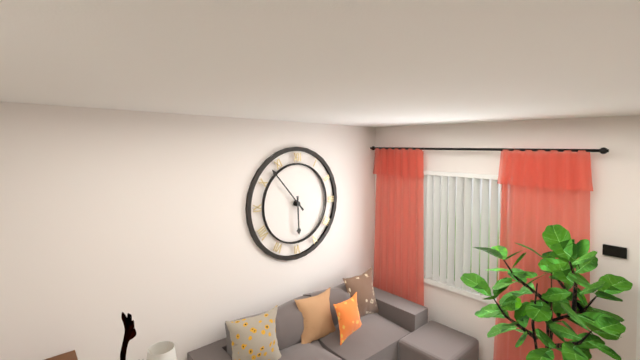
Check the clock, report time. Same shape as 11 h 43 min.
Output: 5 h 53 min
